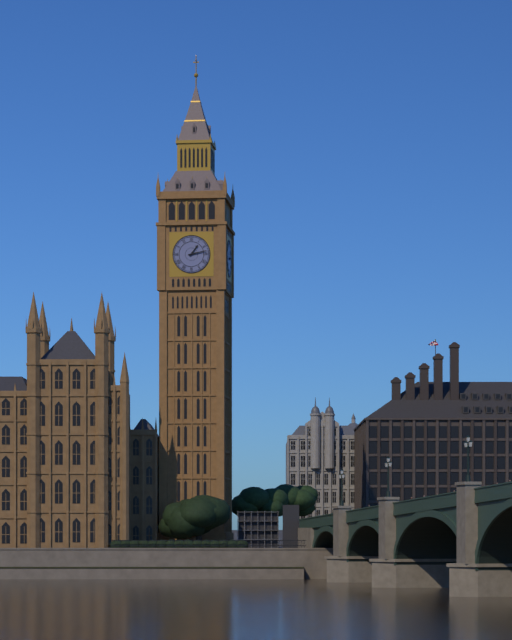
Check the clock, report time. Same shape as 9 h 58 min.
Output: 1 h 13 min
